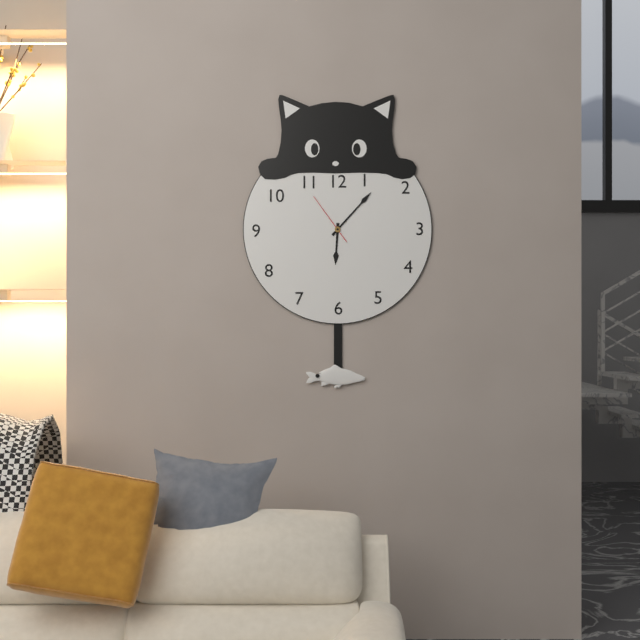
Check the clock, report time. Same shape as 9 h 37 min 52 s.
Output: 6 h 07 min 54 s
